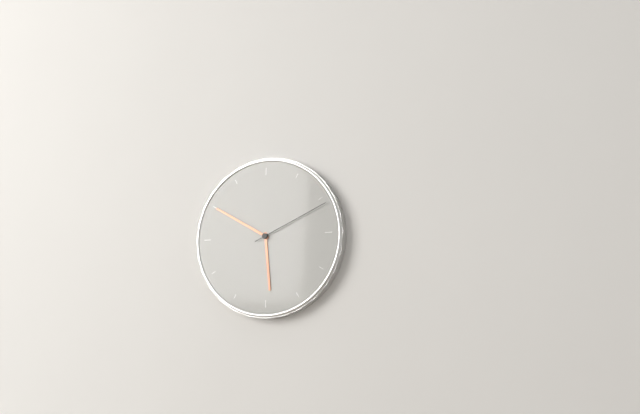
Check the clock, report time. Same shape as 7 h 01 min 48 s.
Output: 5 h 50 min 11 s
